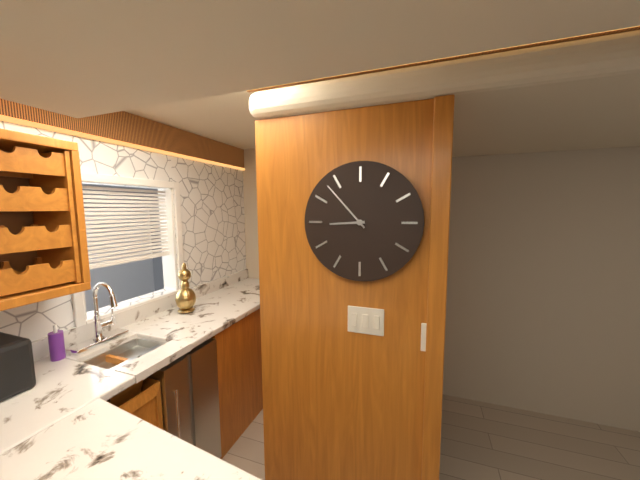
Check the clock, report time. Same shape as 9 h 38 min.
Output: 8 h 53 min
